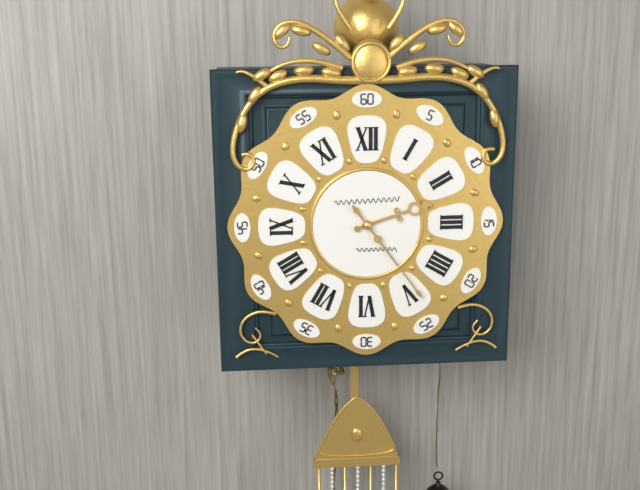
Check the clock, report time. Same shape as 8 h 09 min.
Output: 2 h 24 min
